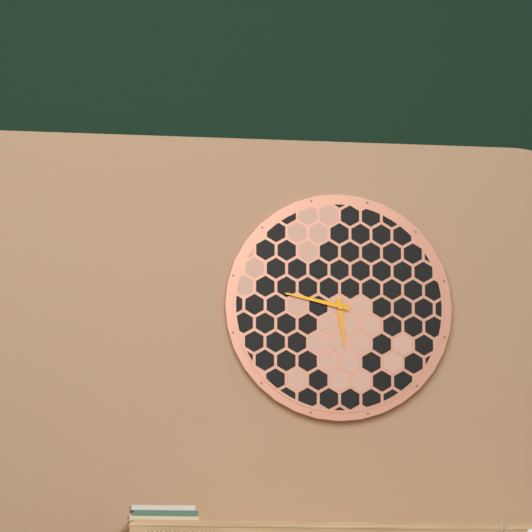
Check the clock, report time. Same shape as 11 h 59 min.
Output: 5 h 47 min
